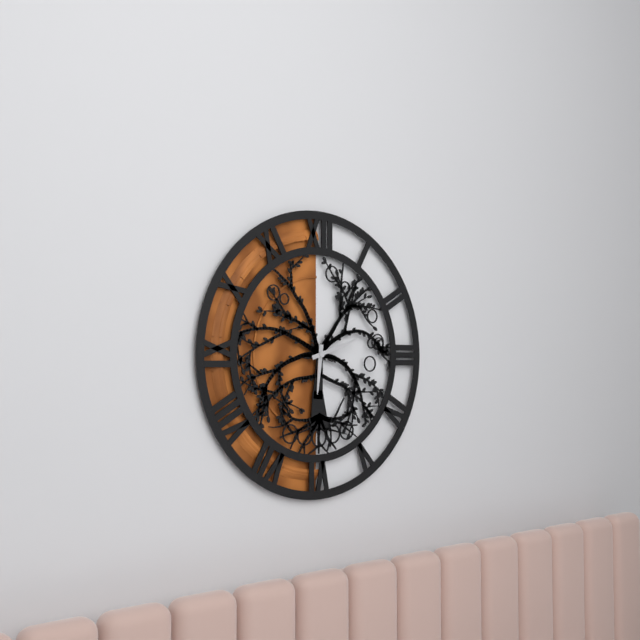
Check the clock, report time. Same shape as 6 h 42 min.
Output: 6 h 12 min
